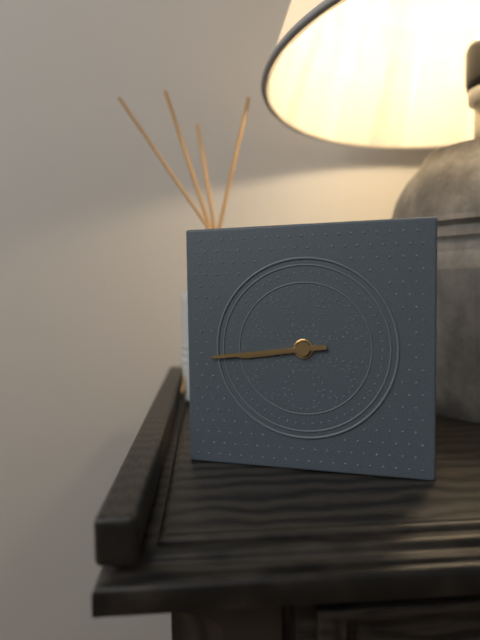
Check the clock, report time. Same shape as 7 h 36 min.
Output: 8 h 44 min
